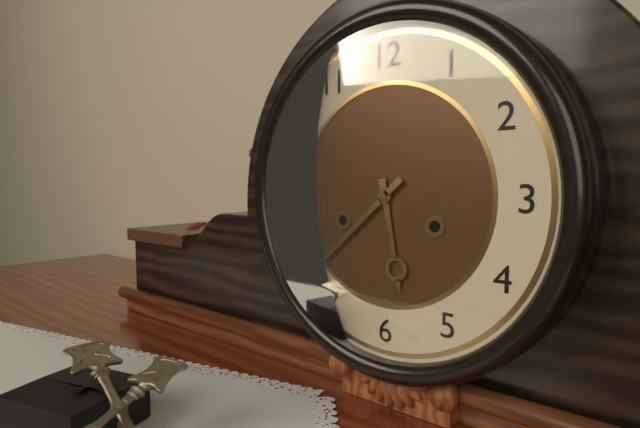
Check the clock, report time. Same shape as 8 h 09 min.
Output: 5 h 38 min
